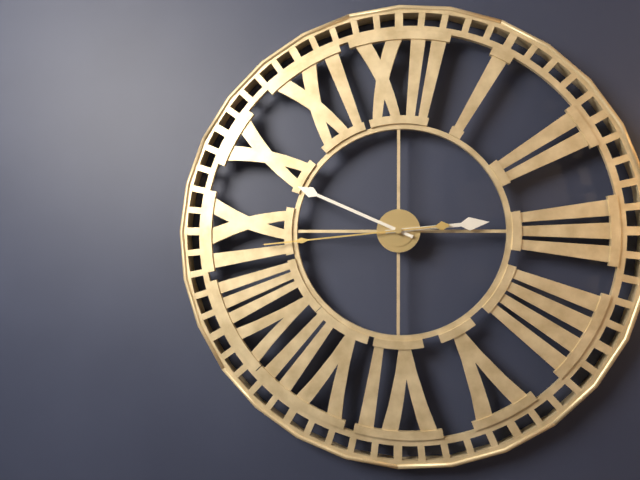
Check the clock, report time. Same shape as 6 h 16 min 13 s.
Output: 2 h 49 min 44 s
